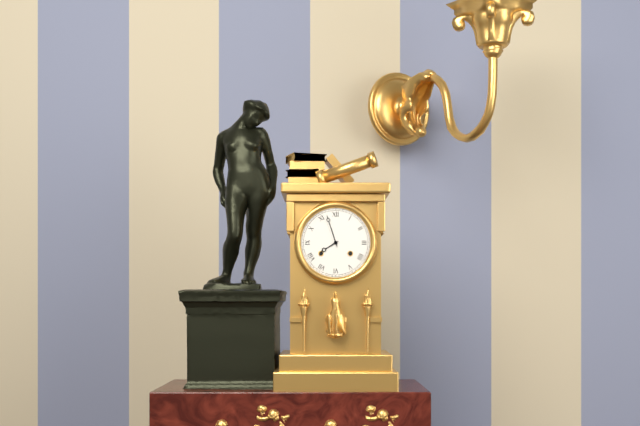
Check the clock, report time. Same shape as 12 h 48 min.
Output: 7 h 57 min
